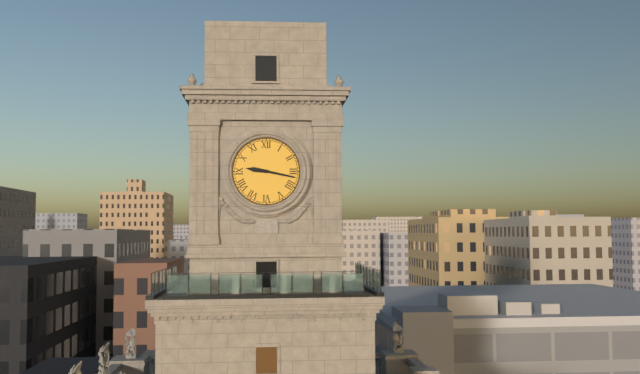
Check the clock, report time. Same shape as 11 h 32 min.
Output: 9 h 17 min
